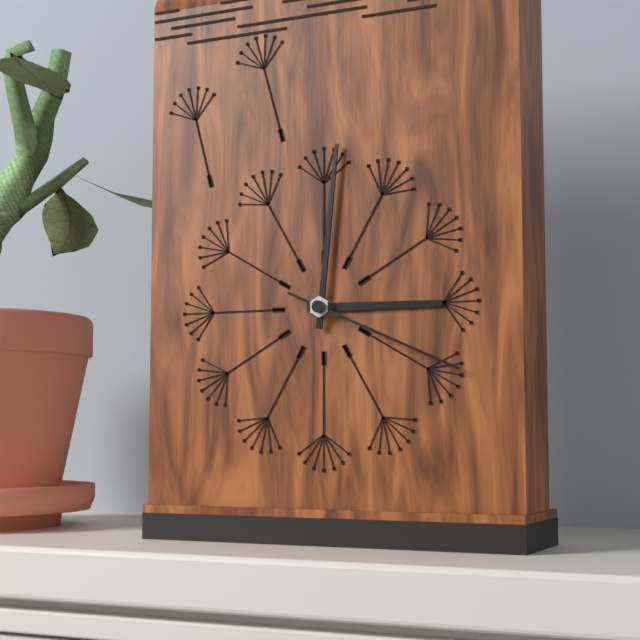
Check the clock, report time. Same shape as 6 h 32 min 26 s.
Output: 3 h 01 min 19 s
